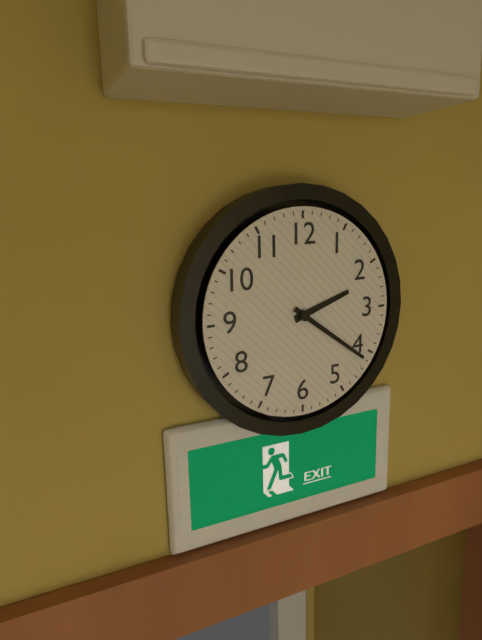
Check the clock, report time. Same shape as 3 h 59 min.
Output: 2 h 21 min
